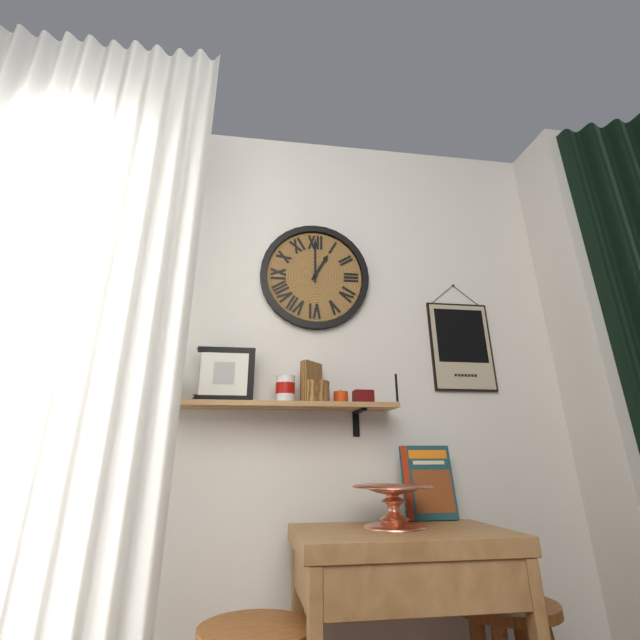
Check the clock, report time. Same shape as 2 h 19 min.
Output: 1 h 00 min
